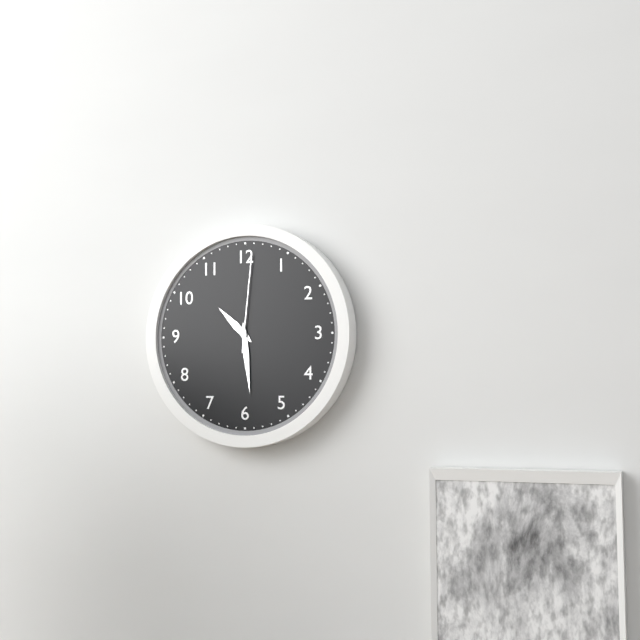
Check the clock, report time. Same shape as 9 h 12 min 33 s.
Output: 10 h 29 min 01 s
